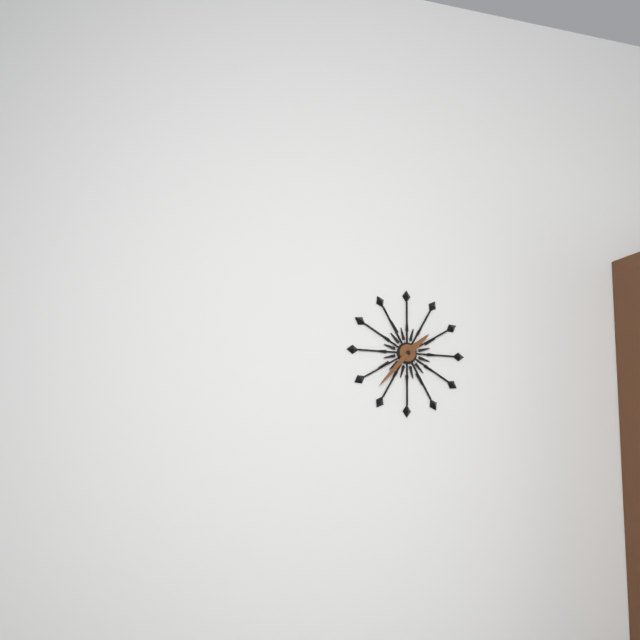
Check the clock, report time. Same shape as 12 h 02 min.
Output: 1 h 37 min
